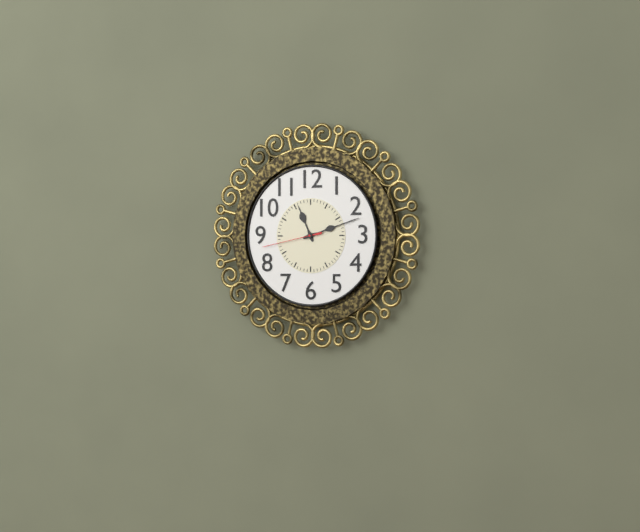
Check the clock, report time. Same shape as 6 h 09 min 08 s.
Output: 11 h 12 min 43 s
